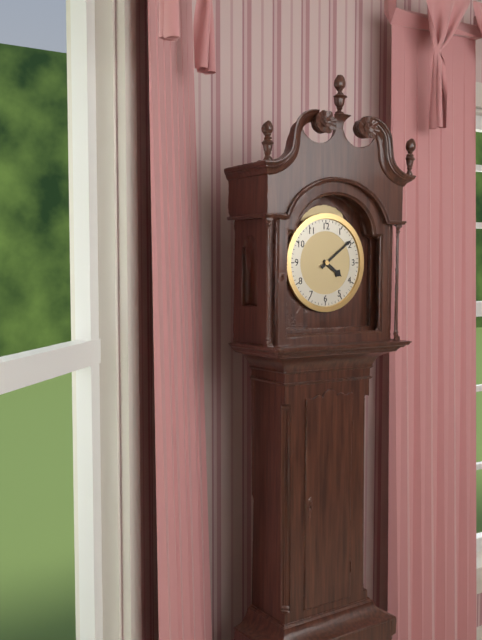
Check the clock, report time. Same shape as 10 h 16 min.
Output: 4 h 09 min
